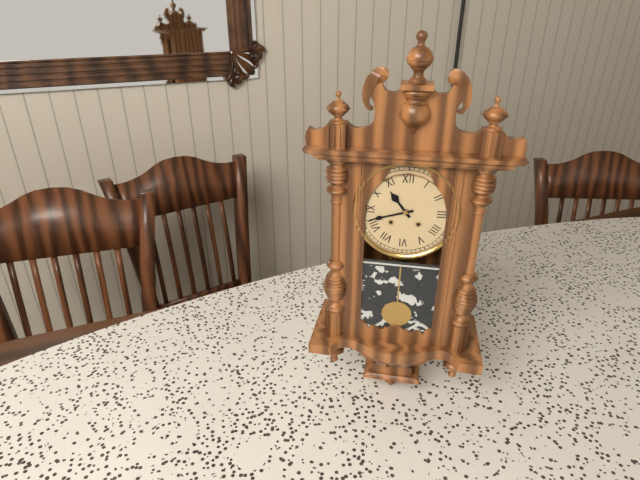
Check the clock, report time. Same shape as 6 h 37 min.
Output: 10 h 42 min
